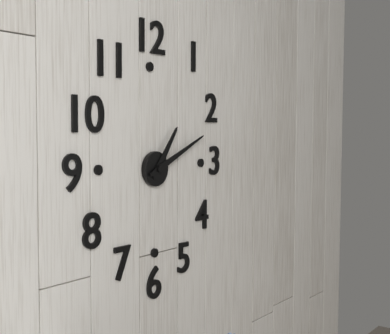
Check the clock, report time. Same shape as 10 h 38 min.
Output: 1 h 11 min
